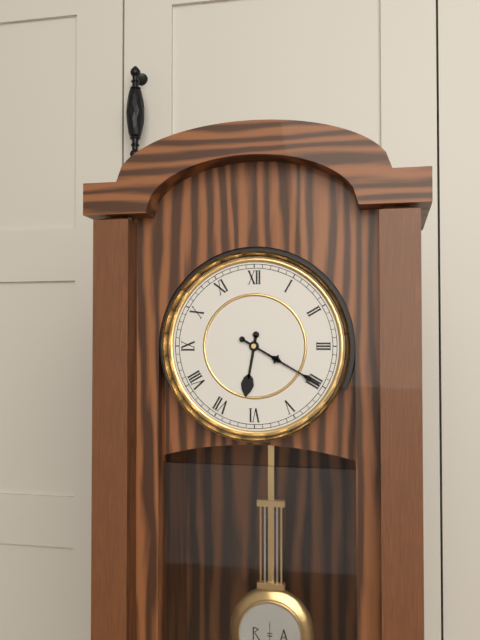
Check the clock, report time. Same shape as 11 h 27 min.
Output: 6 h 20 min
